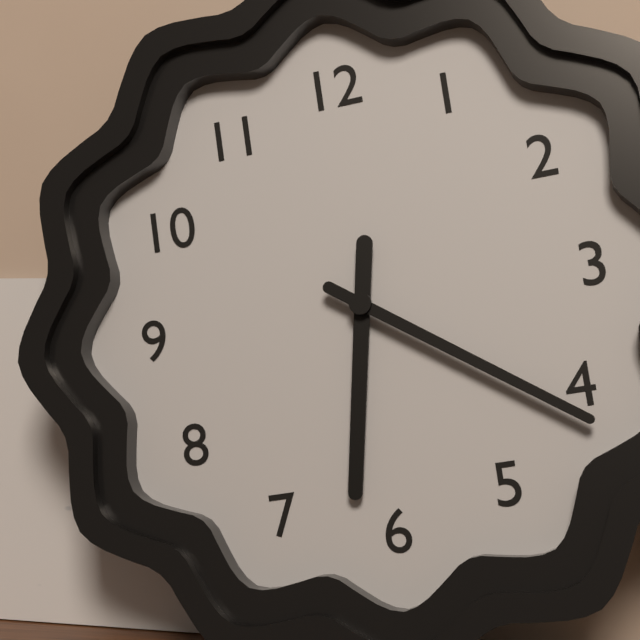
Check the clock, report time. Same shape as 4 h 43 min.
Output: 6 h 21 min
